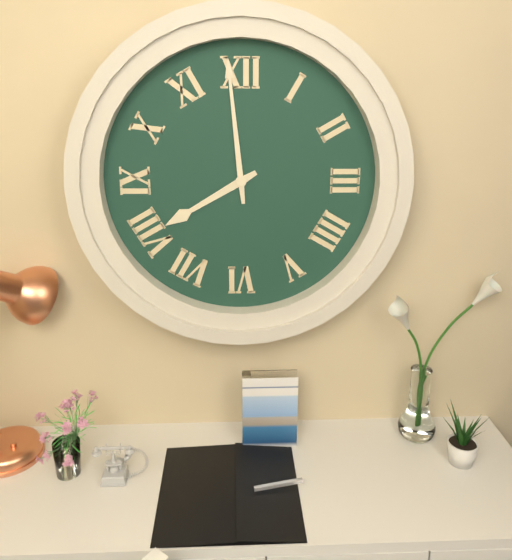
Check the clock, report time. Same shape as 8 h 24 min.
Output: 7 h 59 min
